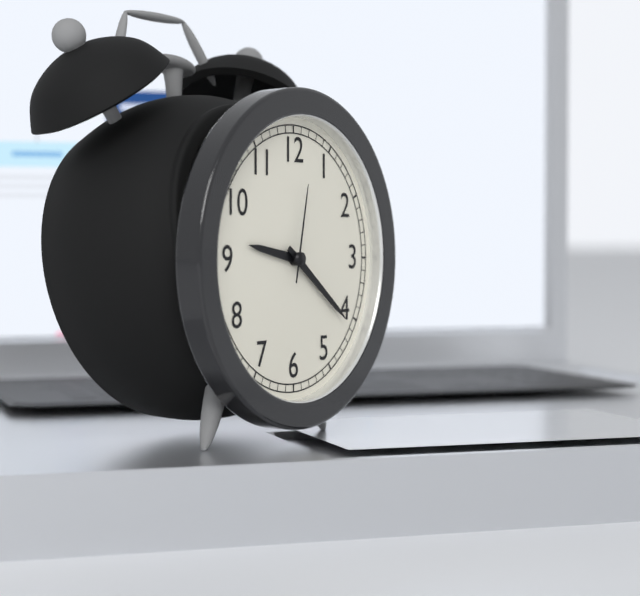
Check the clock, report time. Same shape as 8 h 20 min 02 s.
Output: 9 h 21 min 02 s
